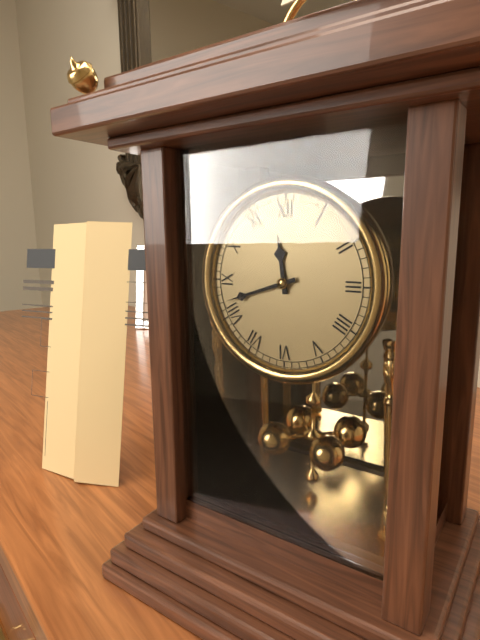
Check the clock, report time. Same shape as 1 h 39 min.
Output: 11 h 42 min
